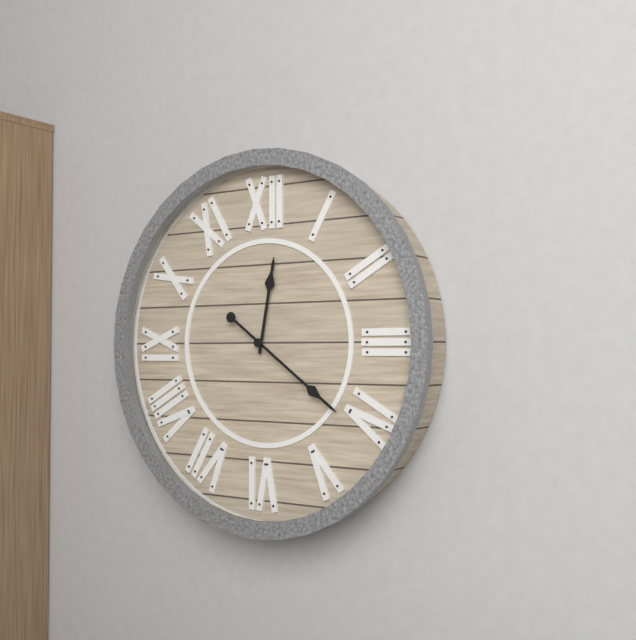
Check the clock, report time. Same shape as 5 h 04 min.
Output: 12 h 21 min
